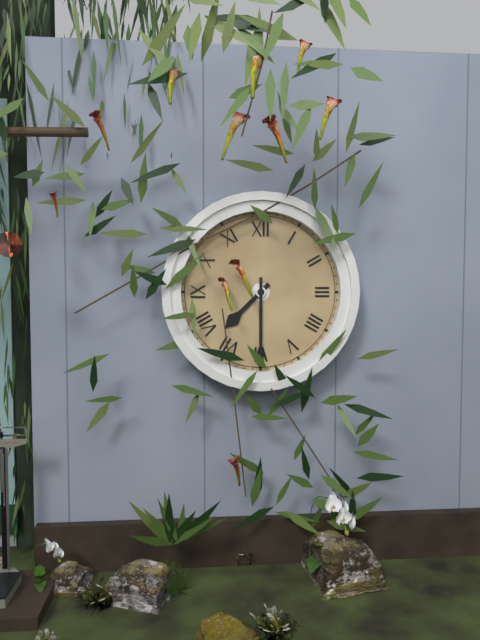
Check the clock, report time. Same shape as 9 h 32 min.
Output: 7 h 30 min
